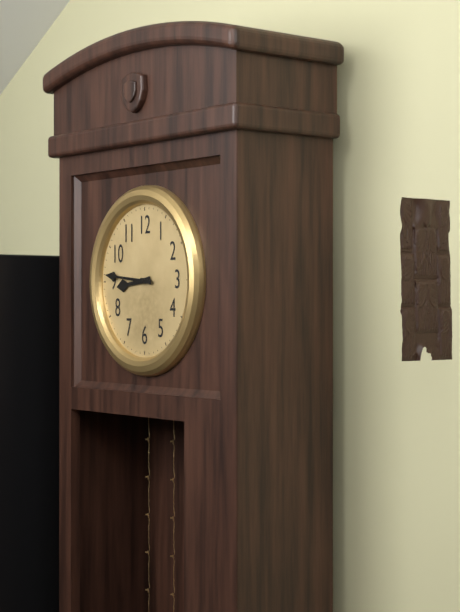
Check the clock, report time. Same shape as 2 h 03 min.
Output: 8 h 46 min
